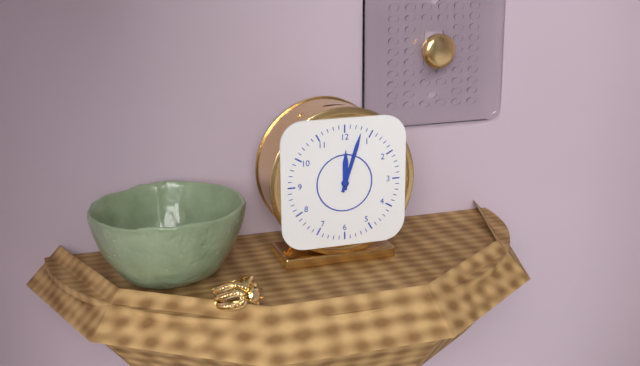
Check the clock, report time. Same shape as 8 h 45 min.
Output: 12 h 03 min
